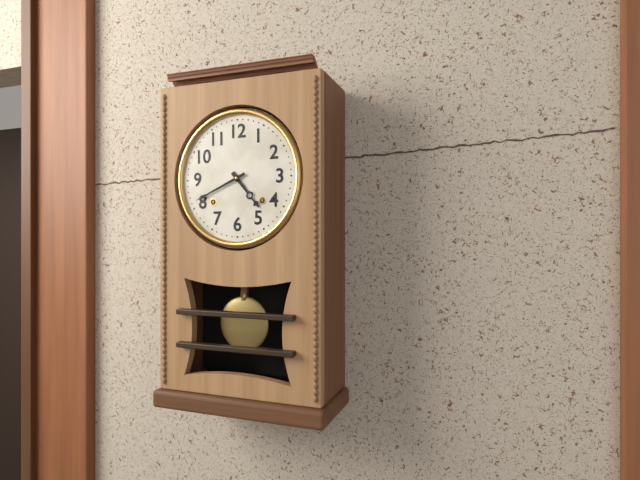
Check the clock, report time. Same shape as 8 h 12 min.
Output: 4 h 41 min
